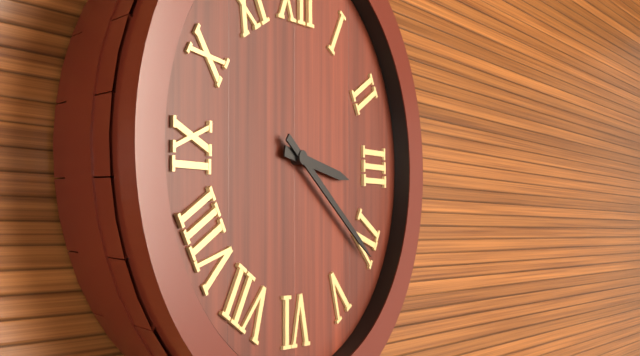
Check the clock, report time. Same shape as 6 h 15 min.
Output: 3 h 21 min
